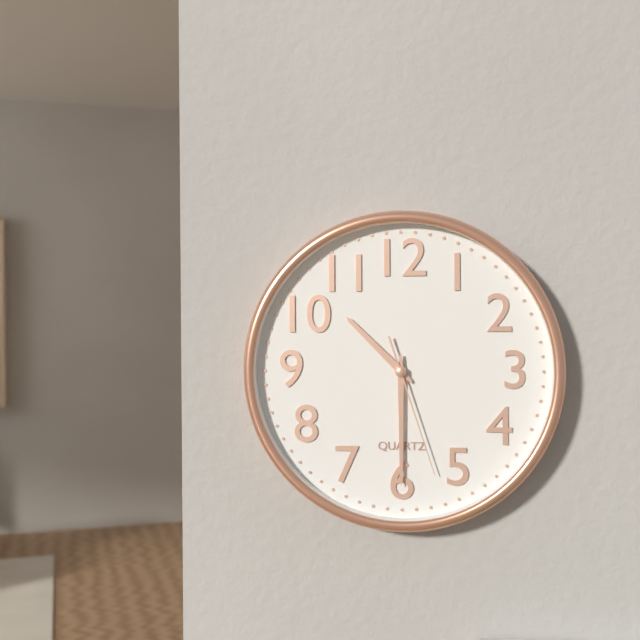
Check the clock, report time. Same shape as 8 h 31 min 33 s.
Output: 10 h 30 min 27 s
